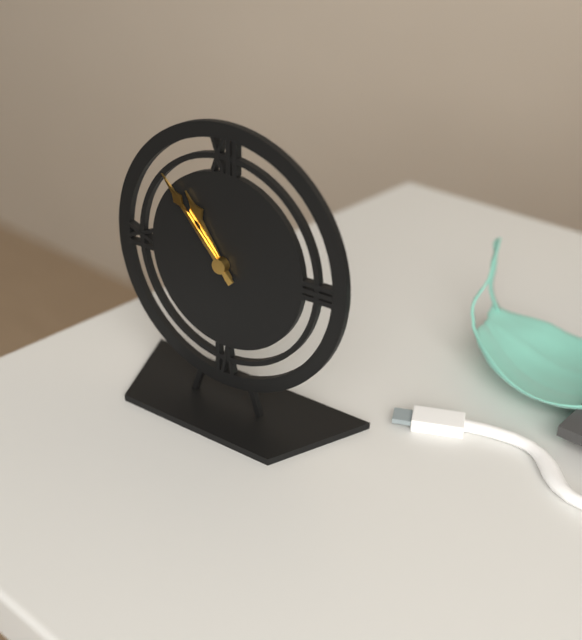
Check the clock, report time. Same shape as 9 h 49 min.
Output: 10 h 53 min
